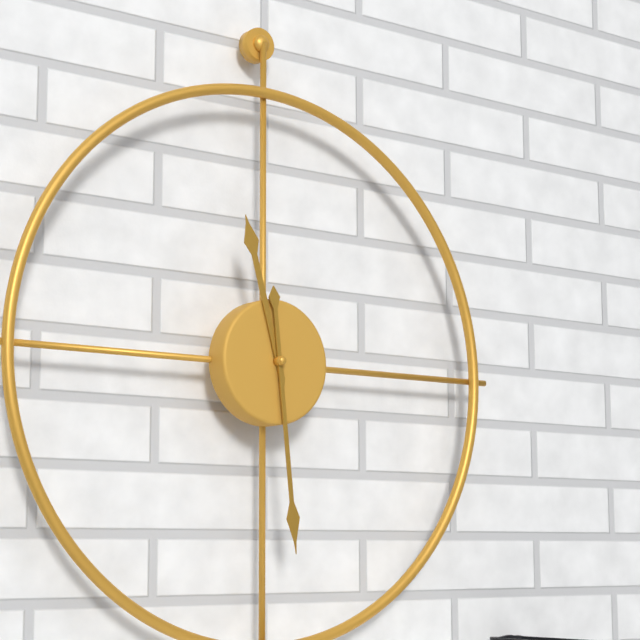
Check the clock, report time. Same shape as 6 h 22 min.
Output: 11 h 29 min
